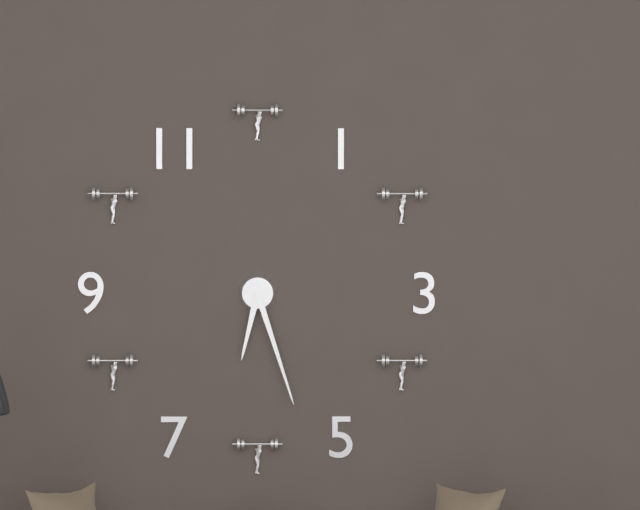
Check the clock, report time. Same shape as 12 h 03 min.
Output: 6 h 27 min
